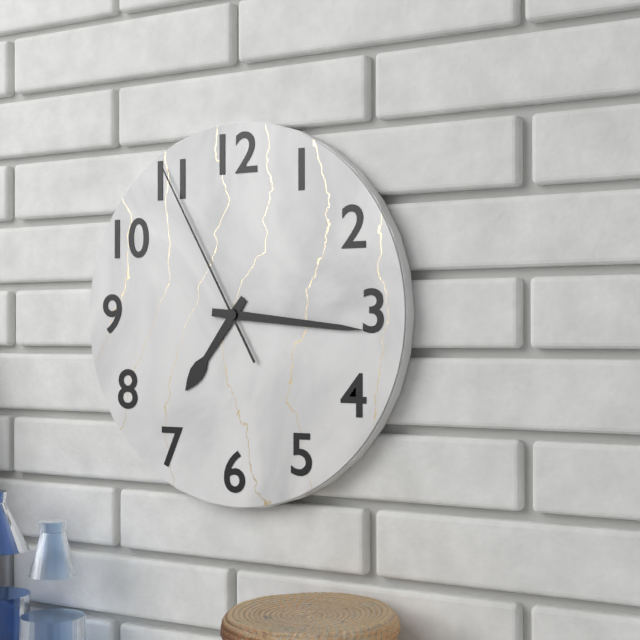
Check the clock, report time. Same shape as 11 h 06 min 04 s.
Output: 7 h 16 min 55 s
